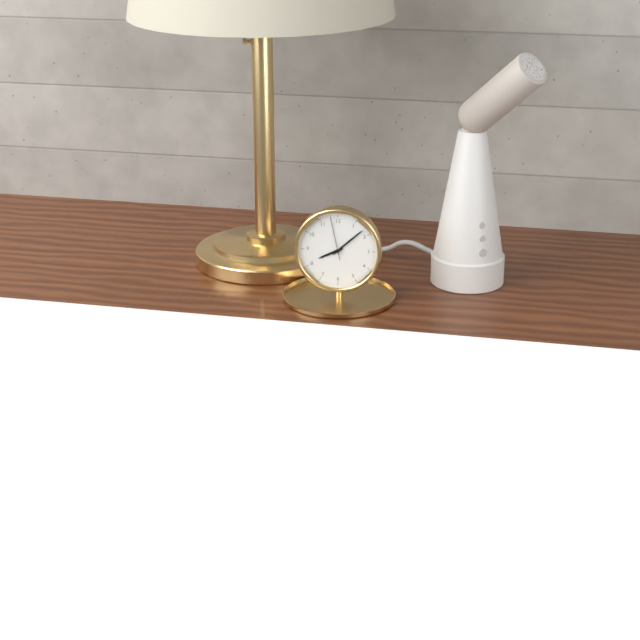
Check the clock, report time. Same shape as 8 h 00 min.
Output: 8 h 08 min
